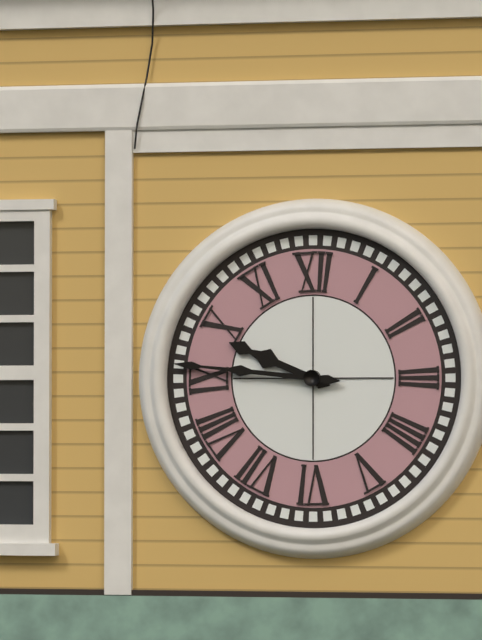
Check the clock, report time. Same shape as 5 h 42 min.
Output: 9 h 46 min
